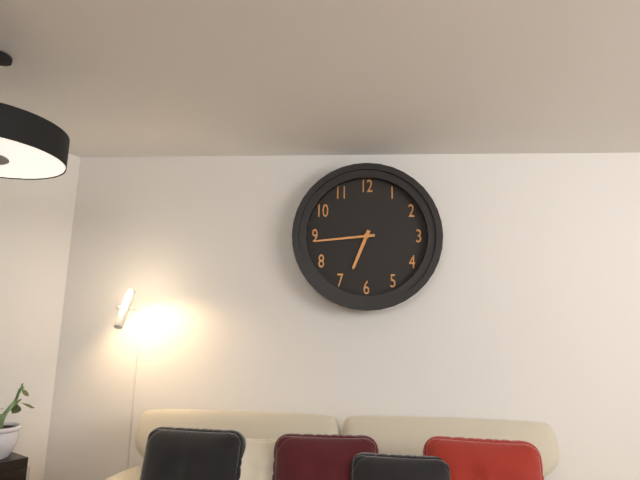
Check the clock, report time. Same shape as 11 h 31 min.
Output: 6 h 44 min
